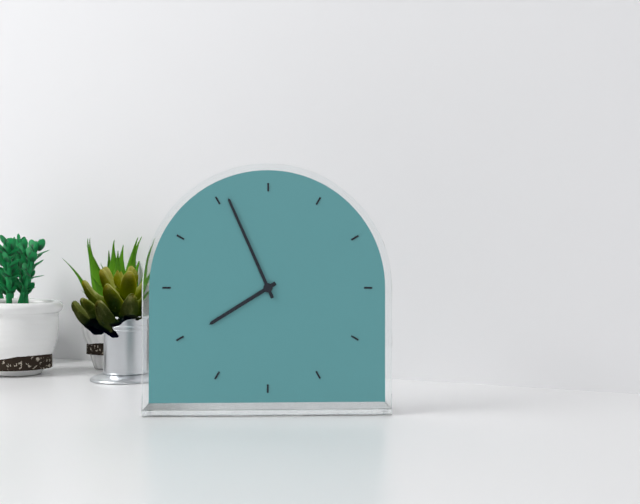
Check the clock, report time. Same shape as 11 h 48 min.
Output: 7 h 56 min
